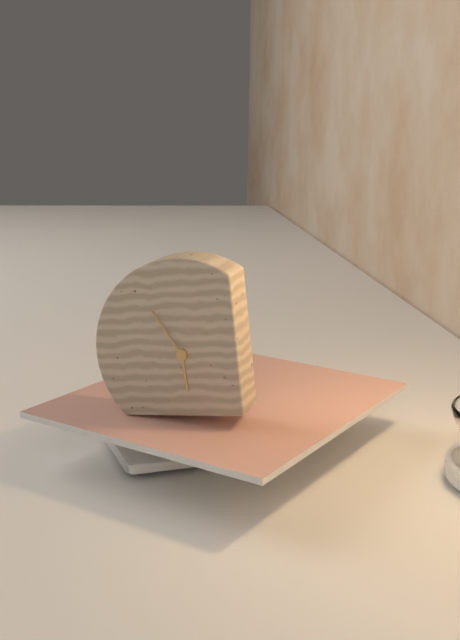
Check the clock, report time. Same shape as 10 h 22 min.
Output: 5 h 55 min
